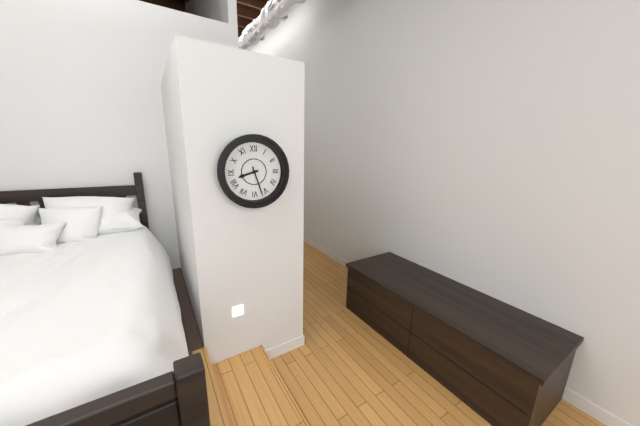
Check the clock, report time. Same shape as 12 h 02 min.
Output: 8 h 27 min
